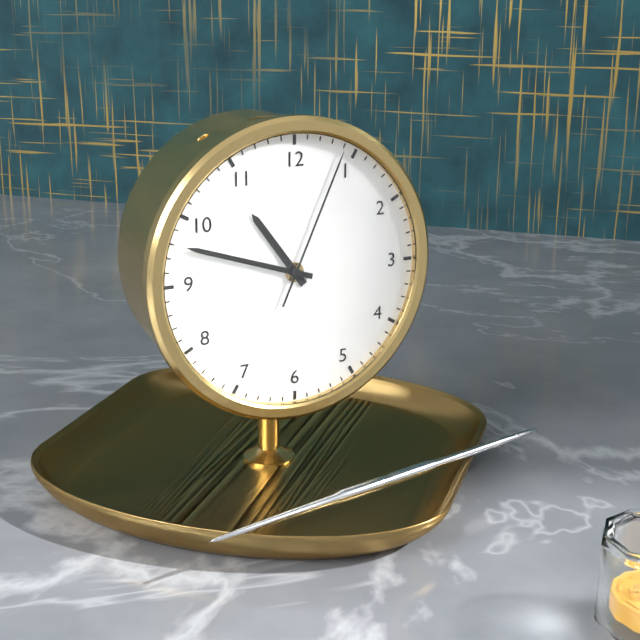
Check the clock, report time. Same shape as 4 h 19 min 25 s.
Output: 10 h 48 min 04 s
